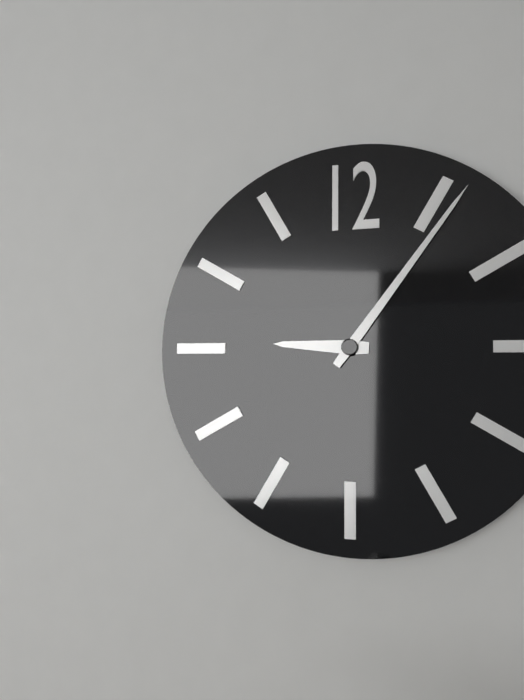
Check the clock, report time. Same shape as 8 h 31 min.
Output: 9 h 06 min
